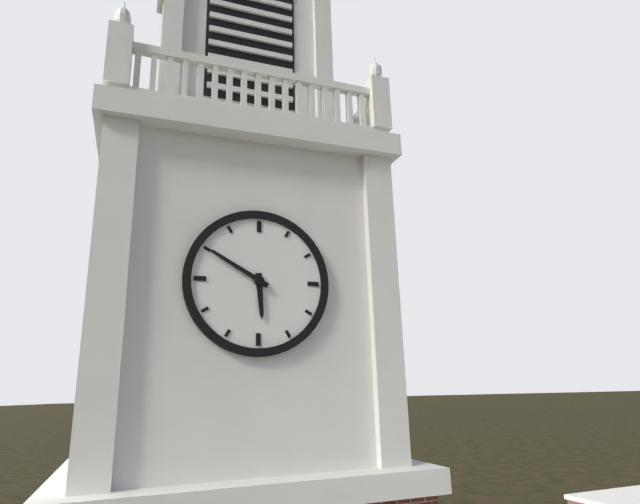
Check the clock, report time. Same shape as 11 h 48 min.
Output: 5 h 50 min
